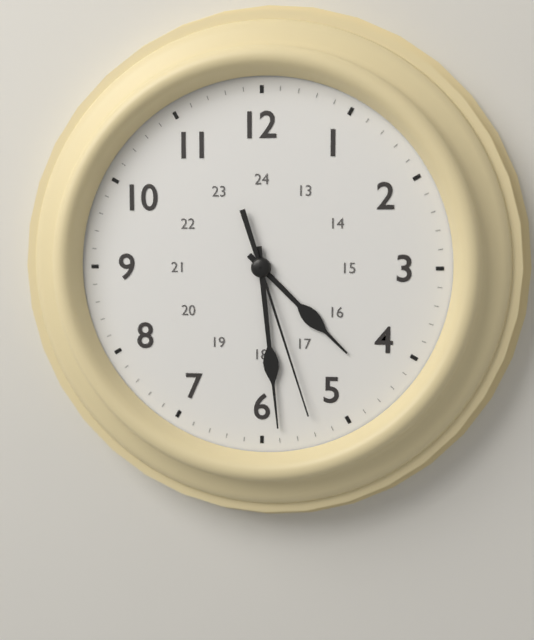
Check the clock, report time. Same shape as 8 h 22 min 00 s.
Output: 4 h 29 min 27 s
